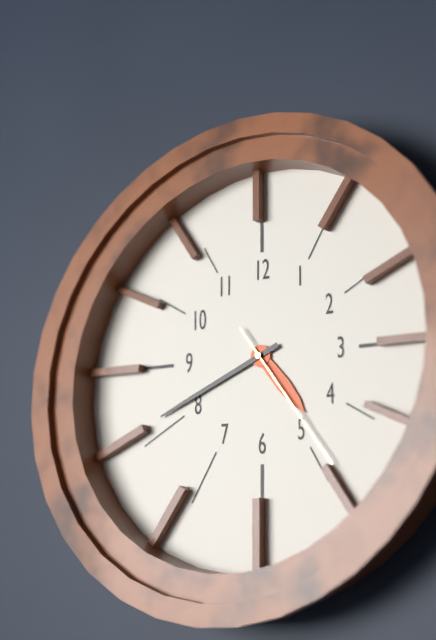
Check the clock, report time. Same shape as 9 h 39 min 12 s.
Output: 4 h 41 min 24 s
